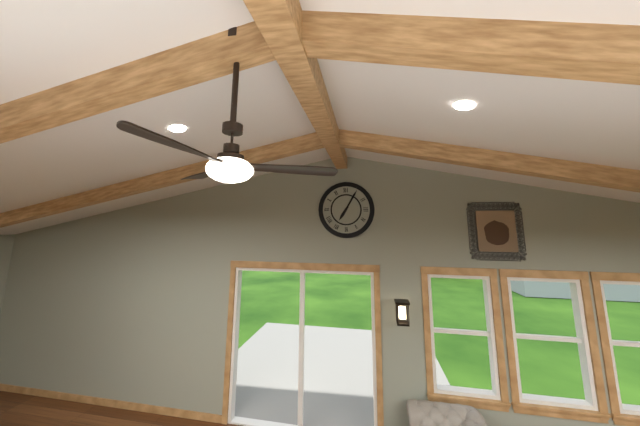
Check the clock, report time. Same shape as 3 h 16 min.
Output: 7 h 05 min
